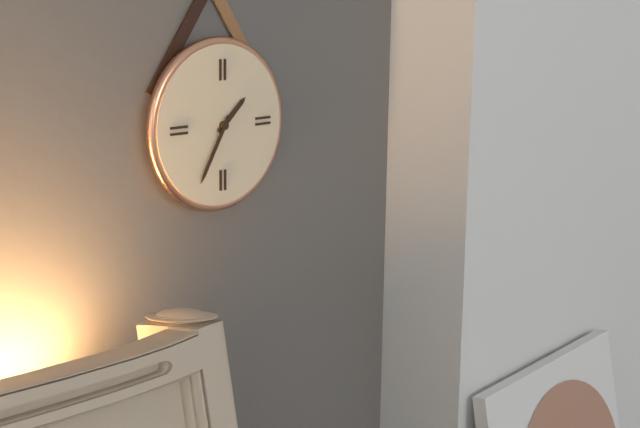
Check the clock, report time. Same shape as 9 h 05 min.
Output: 1 h 35 min
